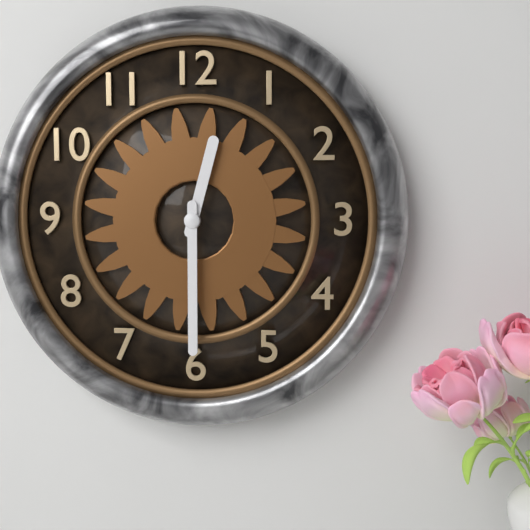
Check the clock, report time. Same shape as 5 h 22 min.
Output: 12 h 30 min
